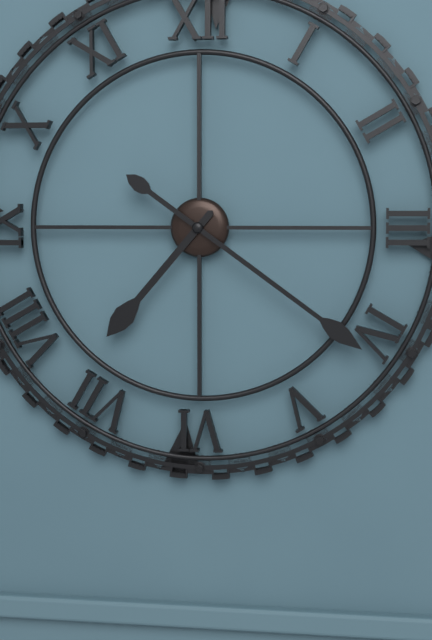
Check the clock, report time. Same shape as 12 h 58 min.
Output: 7 h 21 min
